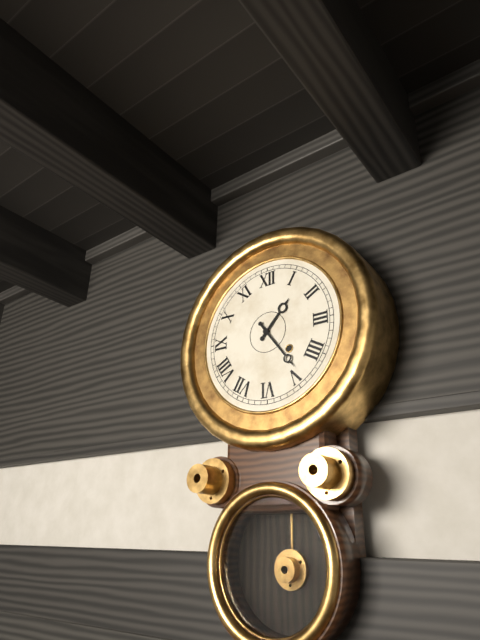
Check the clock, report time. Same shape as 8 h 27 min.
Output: 1 h 24 min
